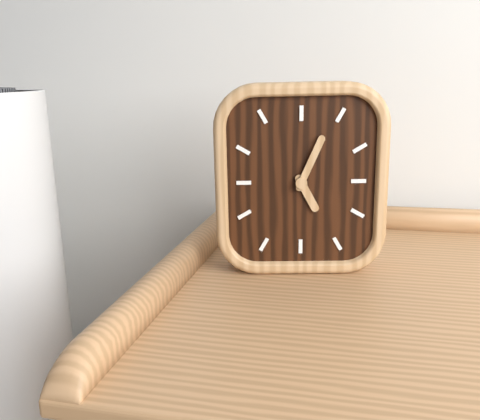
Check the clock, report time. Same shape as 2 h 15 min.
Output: 5 h 04 min
